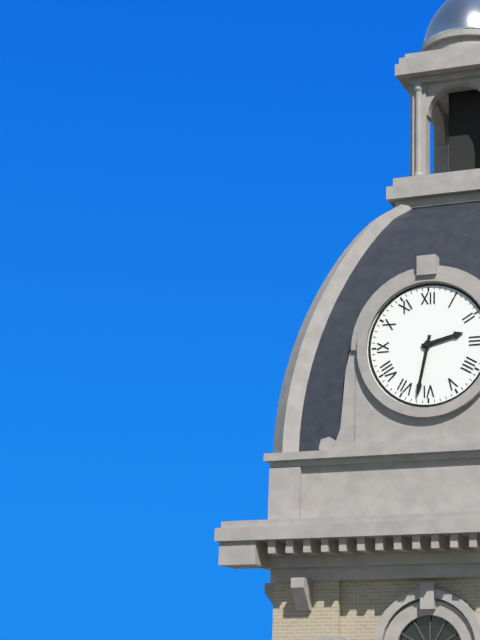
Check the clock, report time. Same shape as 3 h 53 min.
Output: 2 h 32 min
